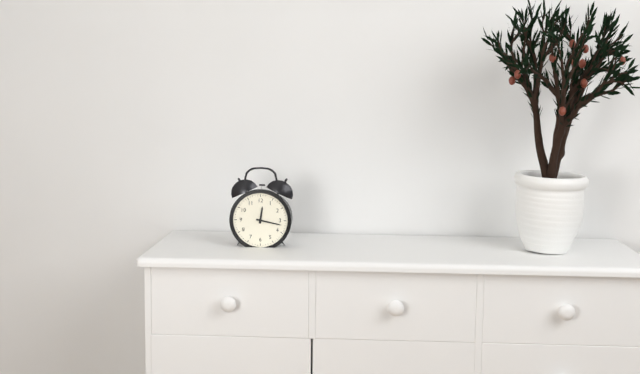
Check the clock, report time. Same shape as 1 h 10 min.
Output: 12 h 17 min
